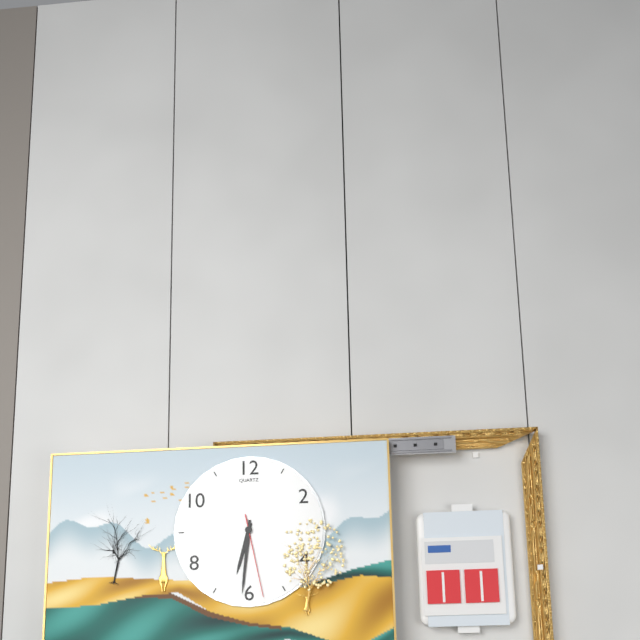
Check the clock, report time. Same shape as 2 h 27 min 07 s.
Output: 6 h 31 min 28 s
